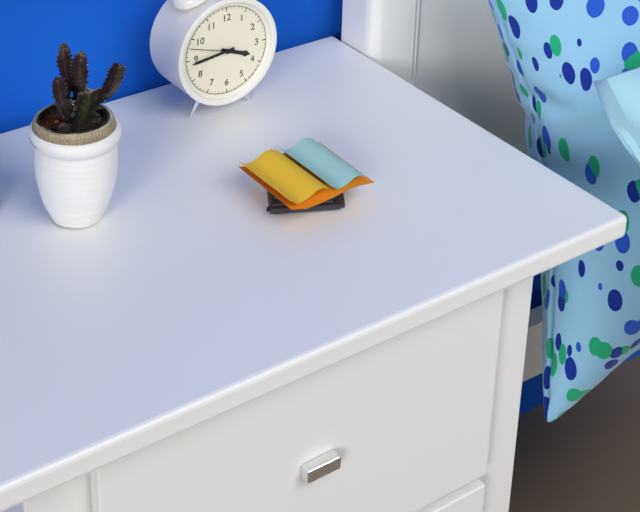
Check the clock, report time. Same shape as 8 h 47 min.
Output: 3 h 44 min
